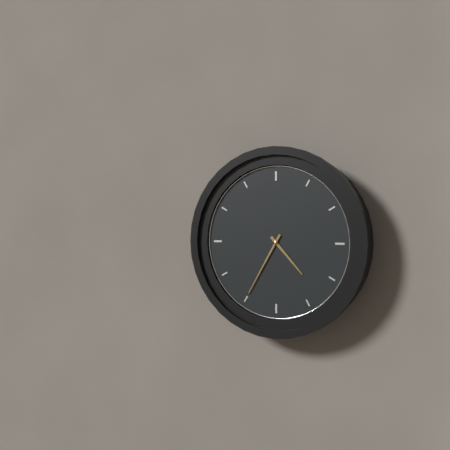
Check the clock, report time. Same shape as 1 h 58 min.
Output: 4 h 35 min
